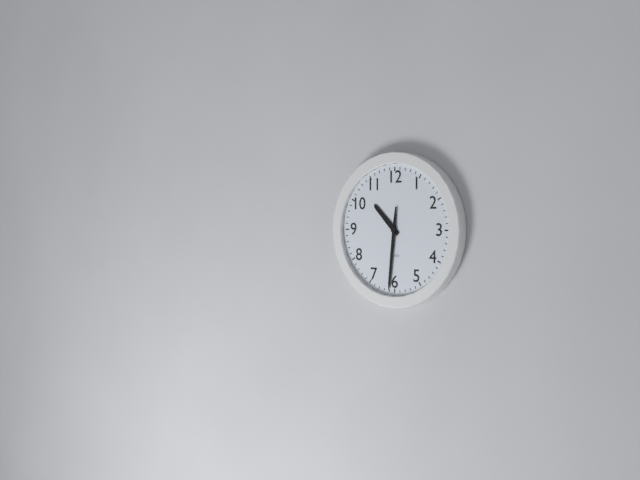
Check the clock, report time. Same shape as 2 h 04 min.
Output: 10 h 31 min
